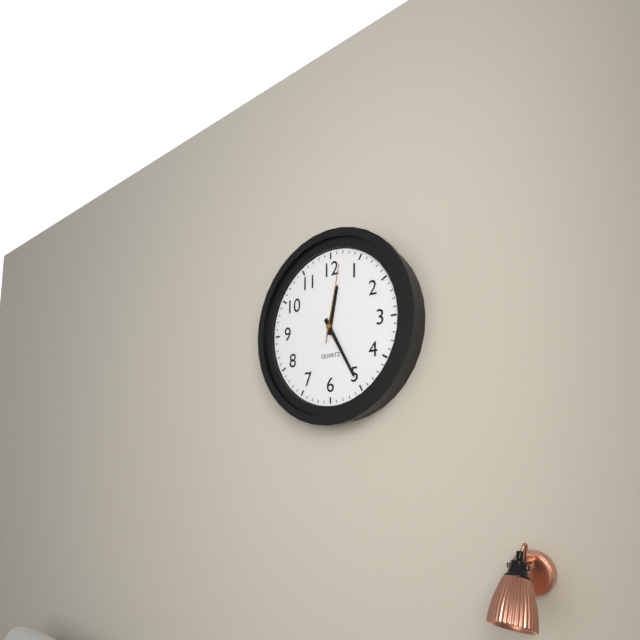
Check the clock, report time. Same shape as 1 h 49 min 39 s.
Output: 12 h 25 min 02 s
